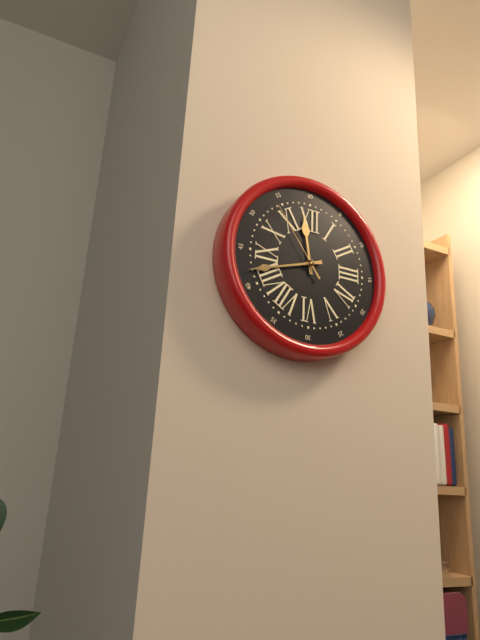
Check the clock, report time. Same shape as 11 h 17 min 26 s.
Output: 11 h 42 min 54 s
